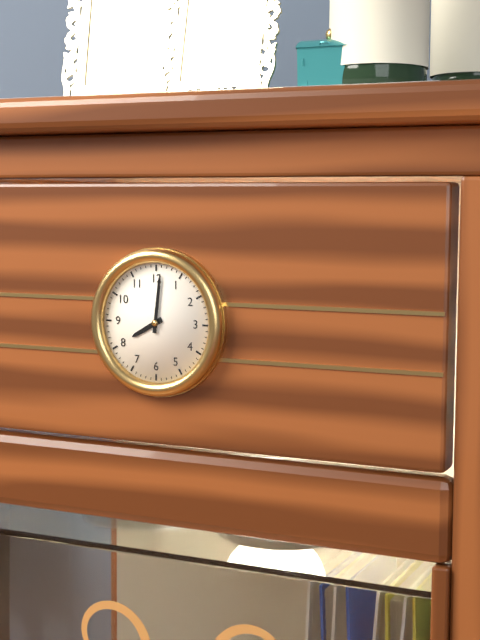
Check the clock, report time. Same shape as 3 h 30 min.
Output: 8 h 01 min
